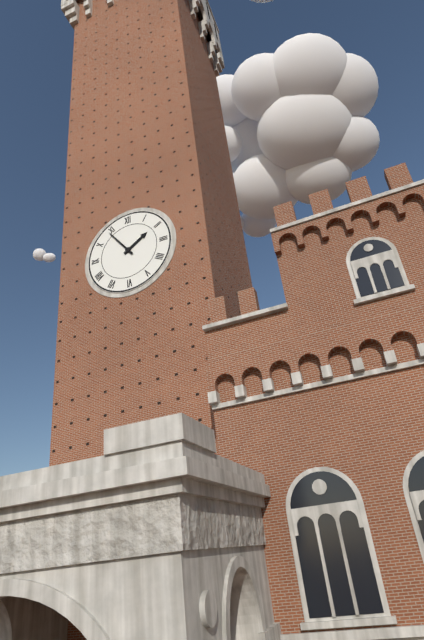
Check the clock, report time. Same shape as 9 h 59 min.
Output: 1 h 54 min
